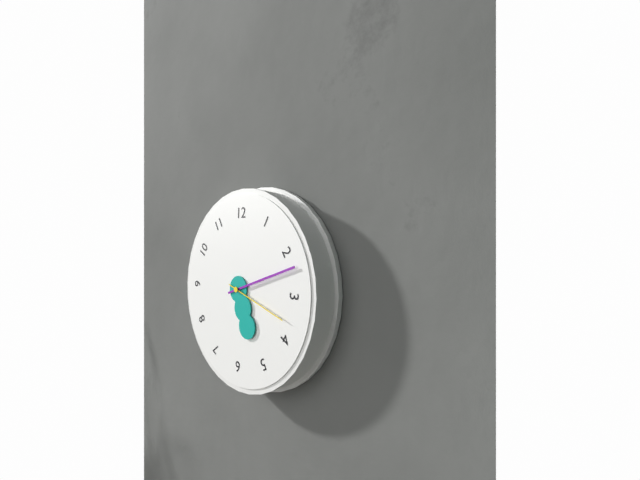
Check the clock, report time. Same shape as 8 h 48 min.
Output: 5 h 12 min
